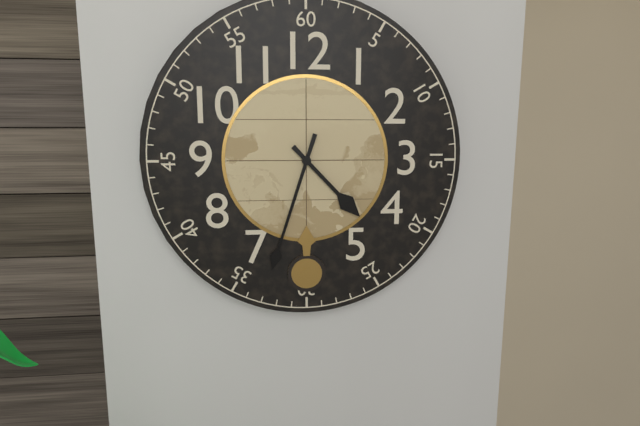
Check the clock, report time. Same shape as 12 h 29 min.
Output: 4 h 33 min
